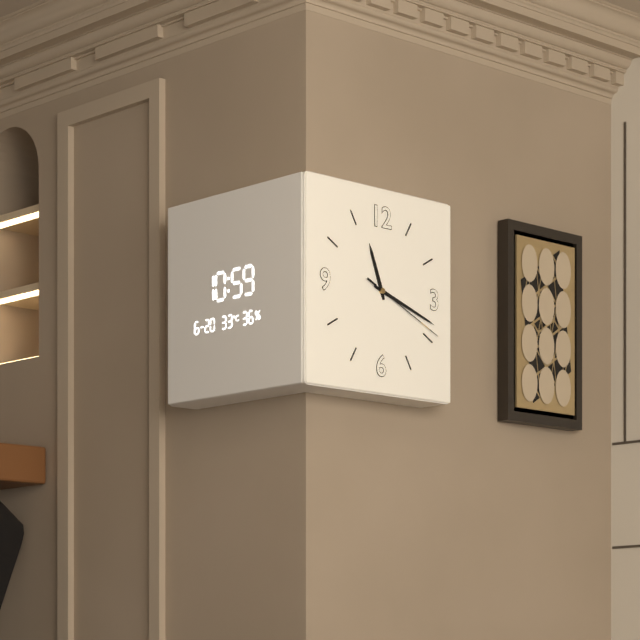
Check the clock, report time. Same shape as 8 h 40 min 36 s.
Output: 11 h 18 min 19 s
